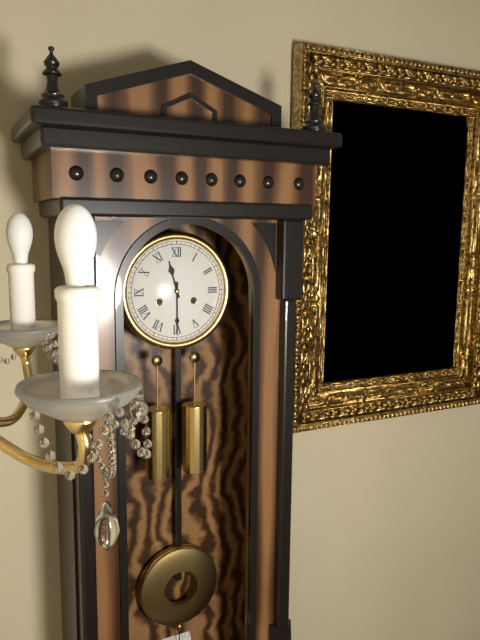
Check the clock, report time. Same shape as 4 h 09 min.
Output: 11 h 30 min
